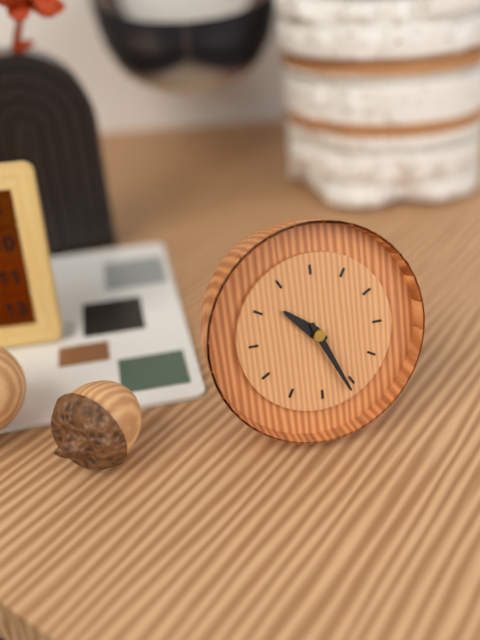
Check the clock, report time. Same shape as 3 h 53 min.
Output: 10 h 26 min
